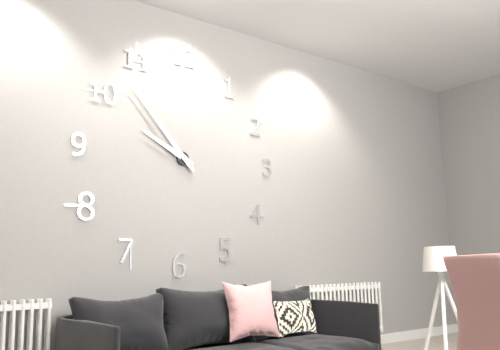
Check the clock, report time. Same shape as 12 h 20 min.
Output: 9 h 53 min
